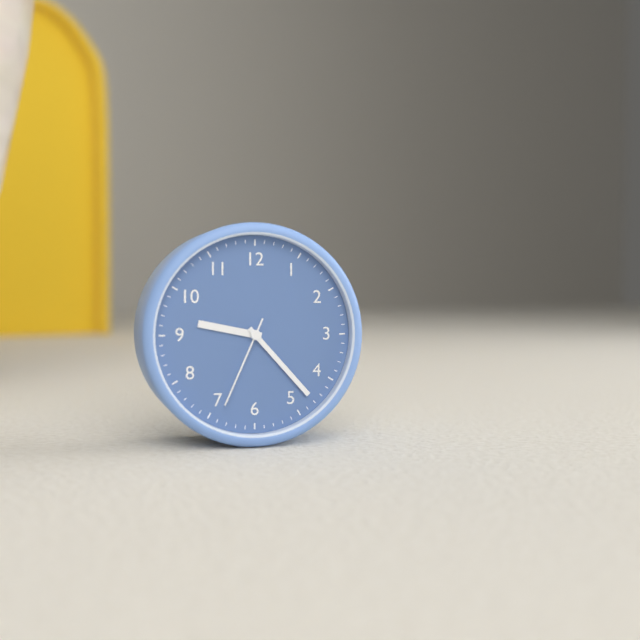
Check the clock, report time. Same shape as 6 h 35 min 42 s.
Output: 9 h 23 min 34 s
